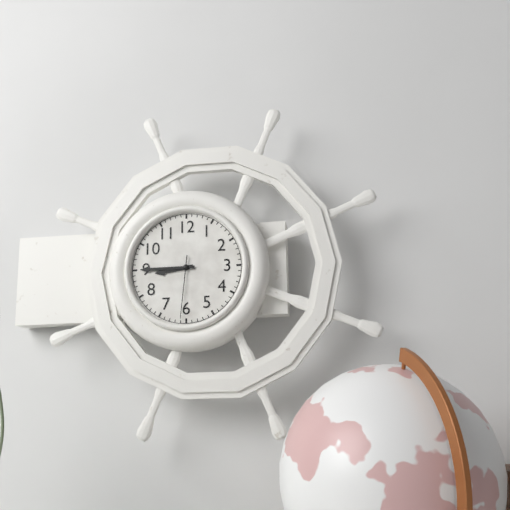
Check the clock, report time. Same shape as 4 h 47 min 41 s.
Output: 8 h 45 min 31 s
